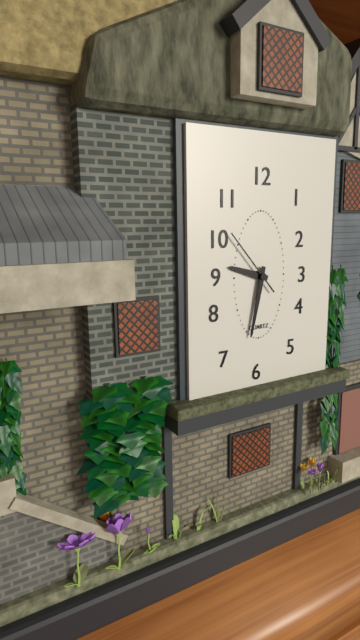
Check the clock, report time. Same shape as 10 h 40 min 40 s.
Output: 9 h 32 min 53 s
